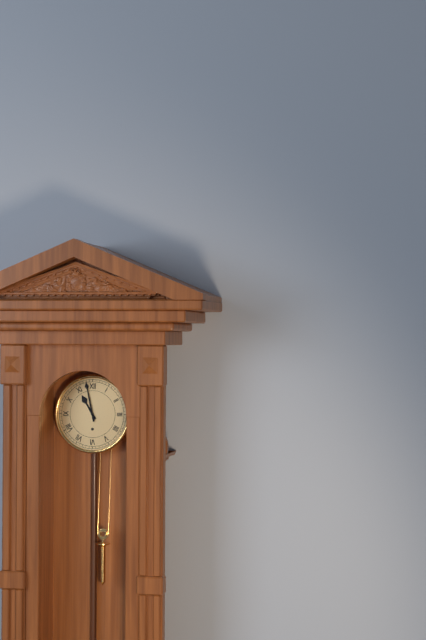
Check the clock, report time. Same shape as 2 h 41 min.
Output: 10 h 58 min
